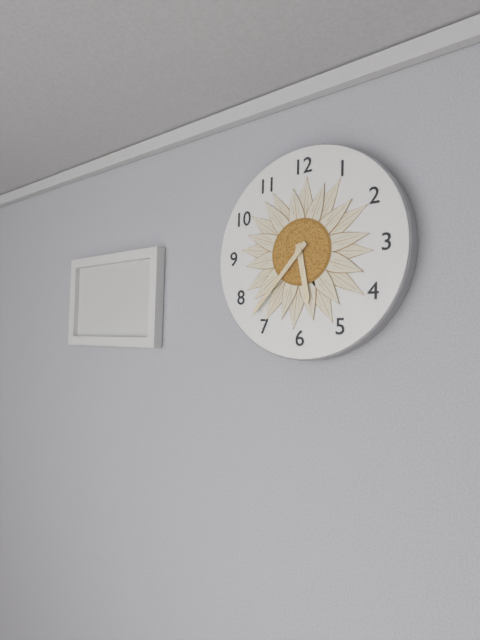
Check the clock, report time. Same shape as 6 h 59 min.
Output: 5 h 37 min
